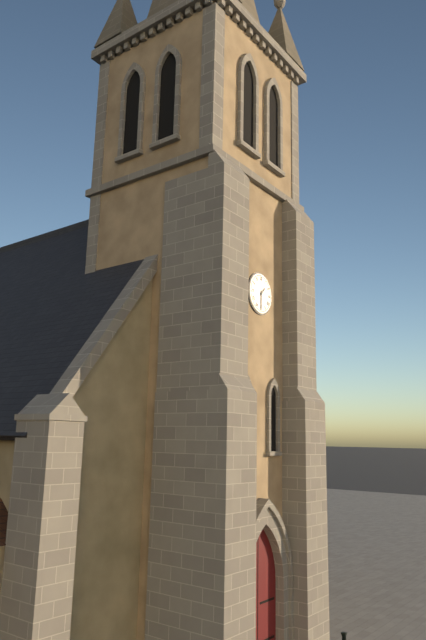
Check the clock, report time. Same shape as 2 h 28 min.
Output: 1 h 30 min
